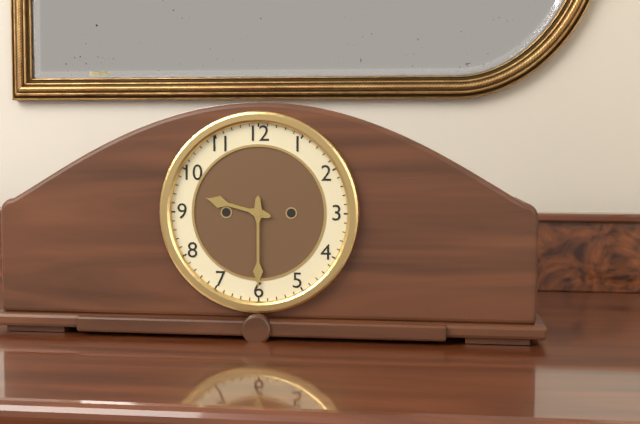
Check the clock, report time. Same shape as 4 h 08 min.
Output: 9 h 30 min
